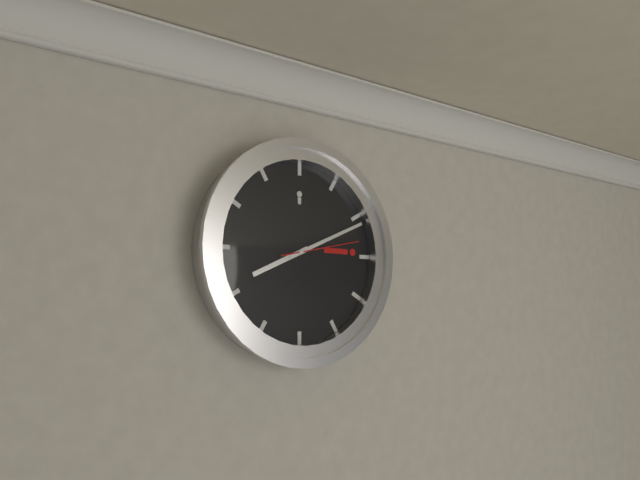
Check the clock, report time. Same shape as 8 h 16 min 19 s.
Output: 8 h 11 min 13 s
